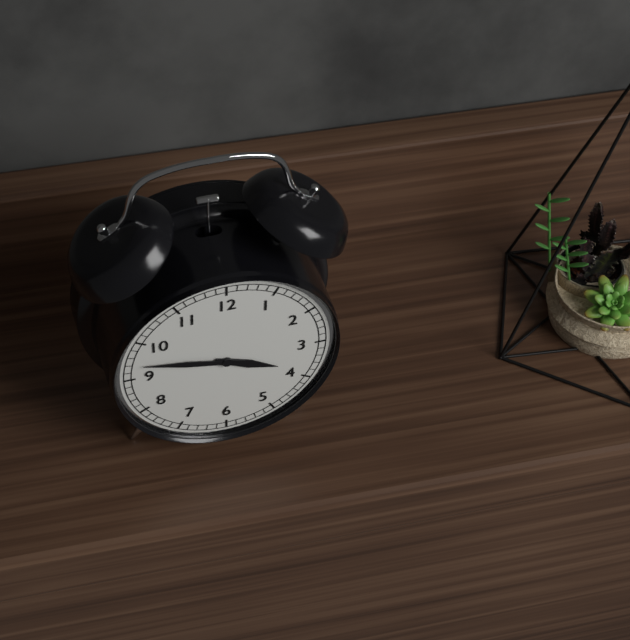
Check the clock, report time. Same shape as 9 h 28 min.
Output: 3 h 47 min
